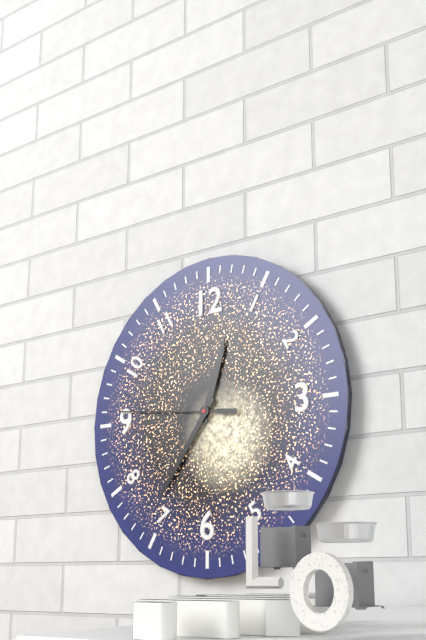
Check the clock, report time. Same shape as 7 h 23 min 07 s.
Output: 12 h 36 min 46 s
